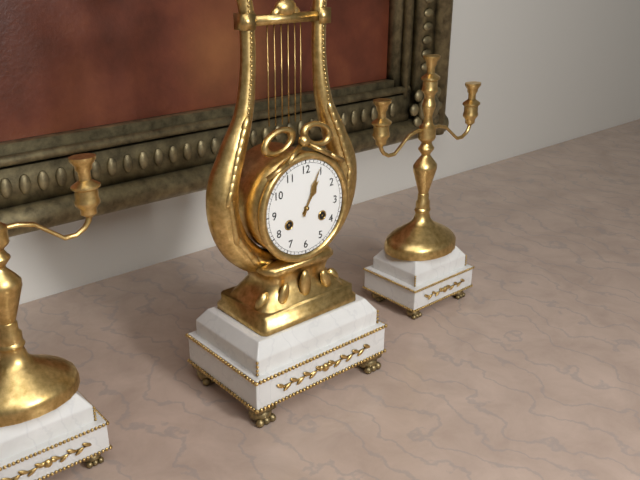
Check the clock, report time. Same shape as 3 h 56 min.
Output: 1 h 04 min
